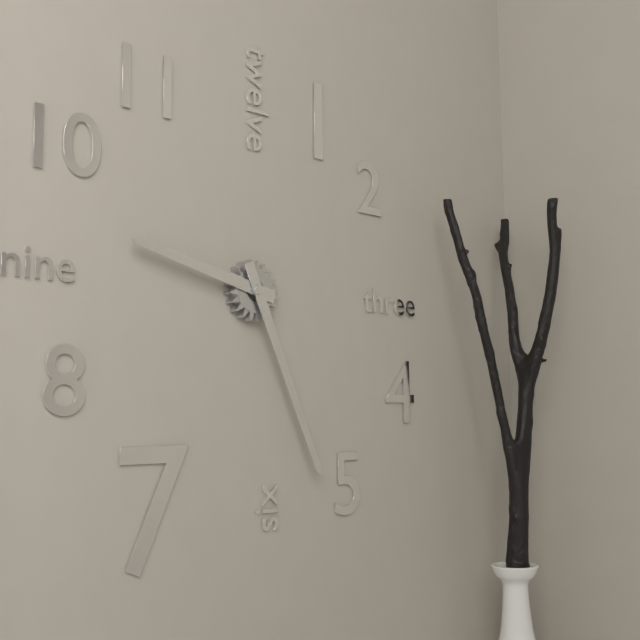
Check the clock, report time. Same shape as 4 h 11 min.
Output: 9 h 26 min
